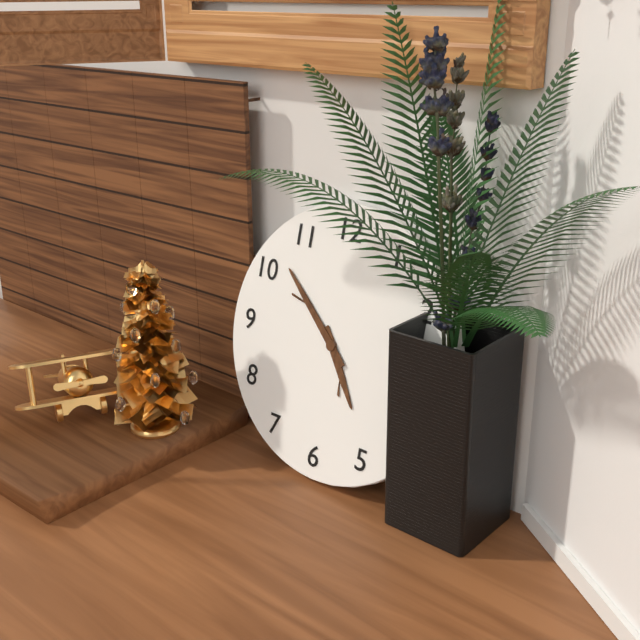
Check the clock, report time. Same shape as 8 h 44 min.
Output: 4 h 52 min
